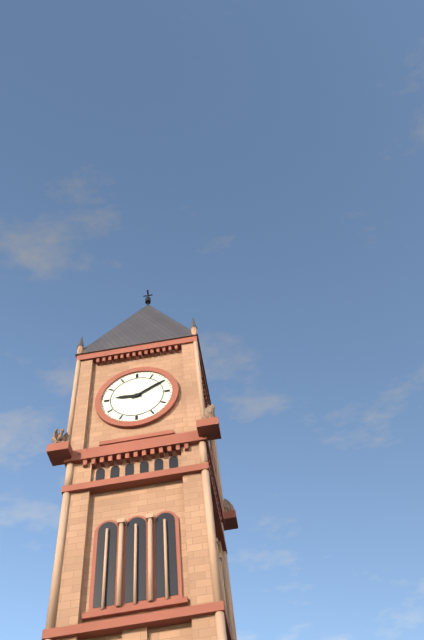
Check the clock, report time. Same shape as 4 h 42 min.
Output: 9 h 10 min
